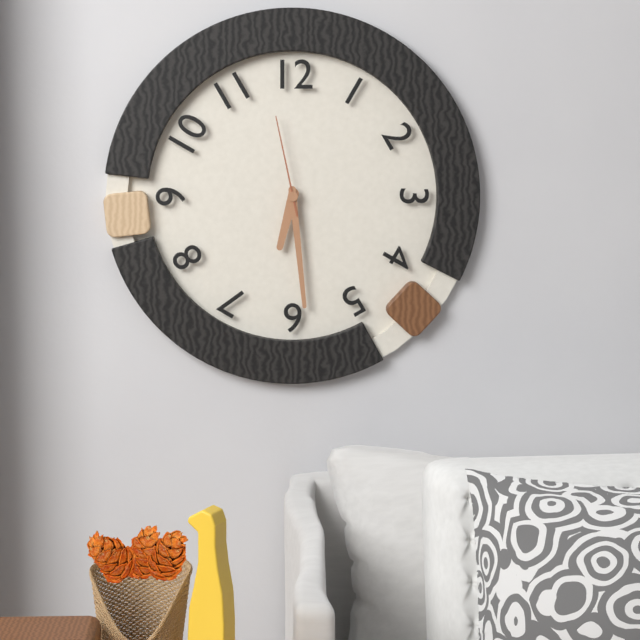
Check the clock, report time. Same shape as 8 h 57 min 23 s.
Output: 6 h 29 min 58 s
